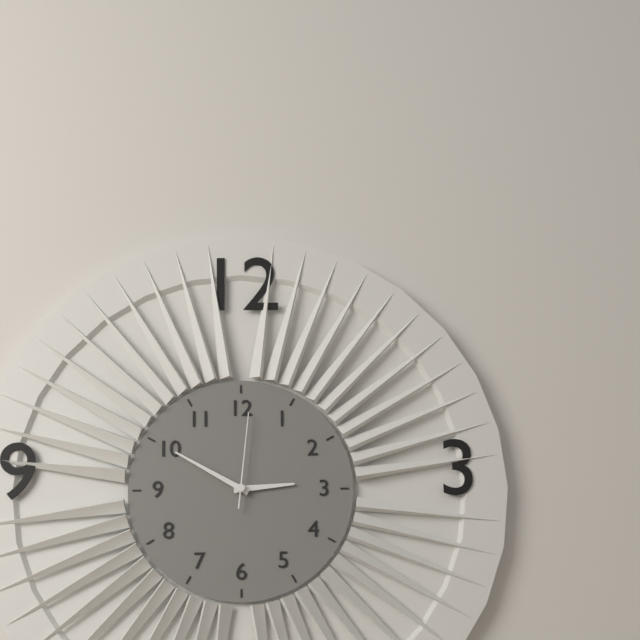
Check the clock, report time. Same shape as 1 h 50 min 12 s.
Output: 2 h 50 min 01 s
